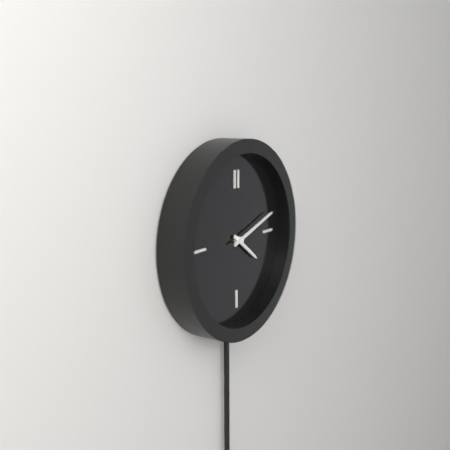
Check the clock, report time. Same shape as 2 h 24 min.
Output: 4 h 12 min
